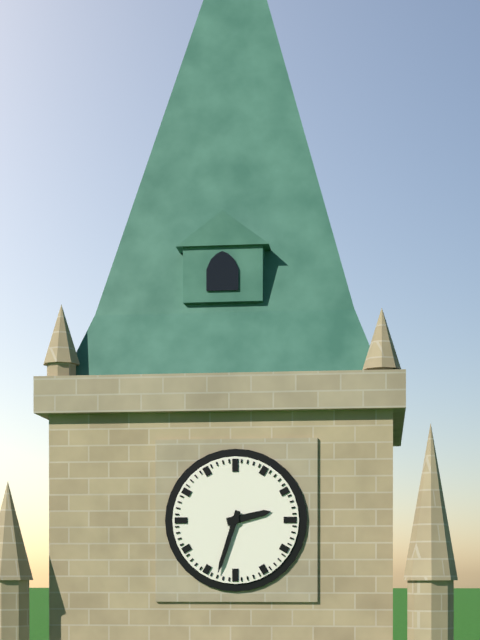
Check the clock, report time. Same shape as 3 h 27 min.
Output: 2 h 33 min
